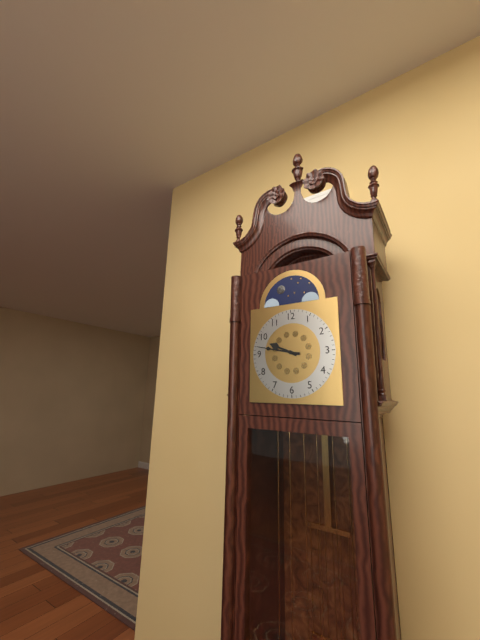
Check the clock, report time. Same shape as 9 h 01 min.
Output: 9 h 47 min
